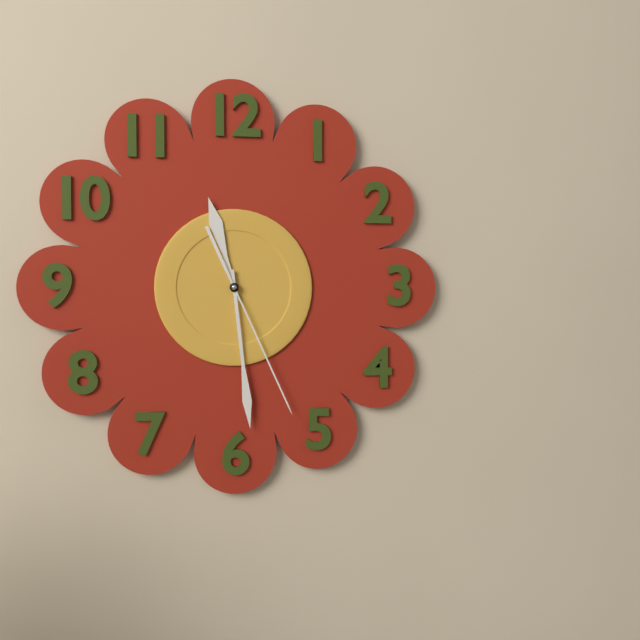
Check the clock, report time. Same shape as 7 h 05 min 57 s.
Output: 11 h 29 min 26 s
